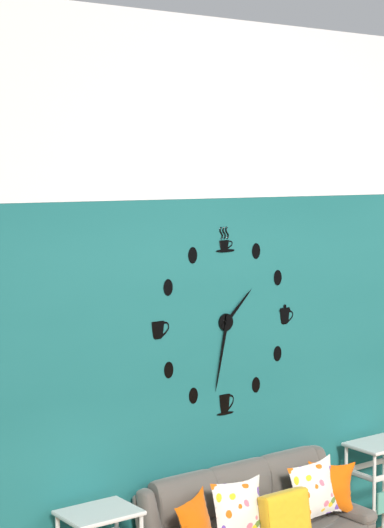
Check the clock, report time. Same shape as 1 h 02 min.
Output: 1 h 32 min
